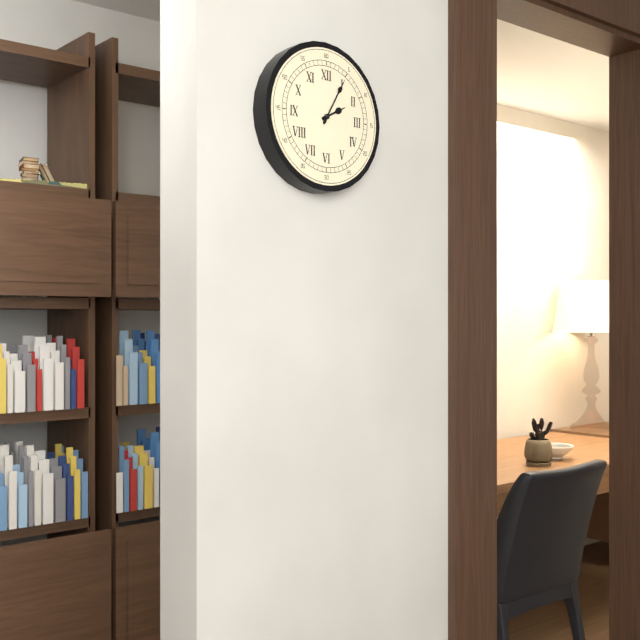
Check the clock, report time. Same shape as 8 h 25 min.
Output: 2 h 05 min
